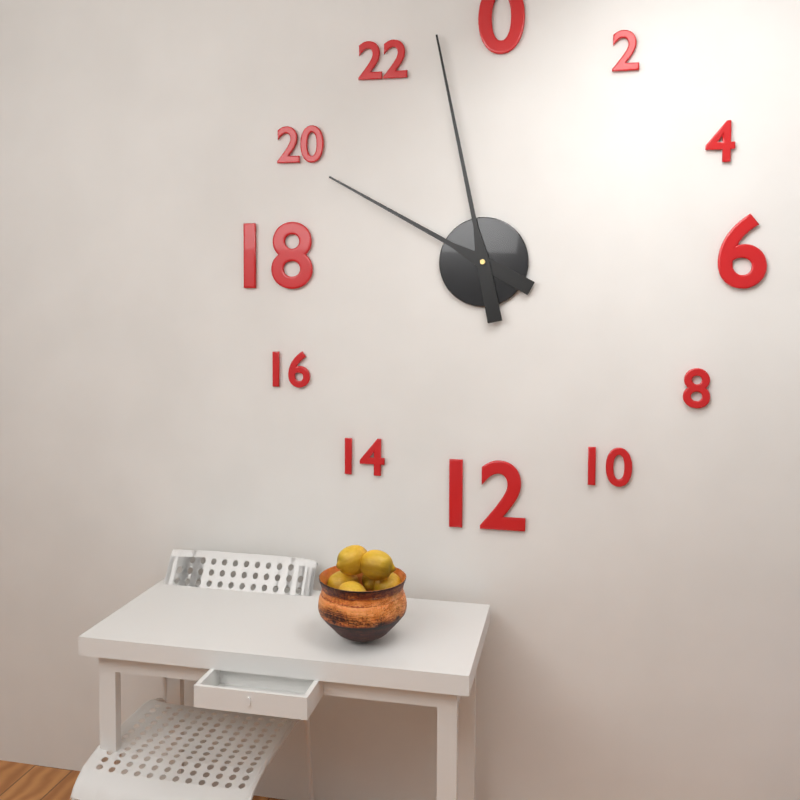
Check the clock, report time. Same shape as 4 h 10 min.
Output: 9 h 58 min
